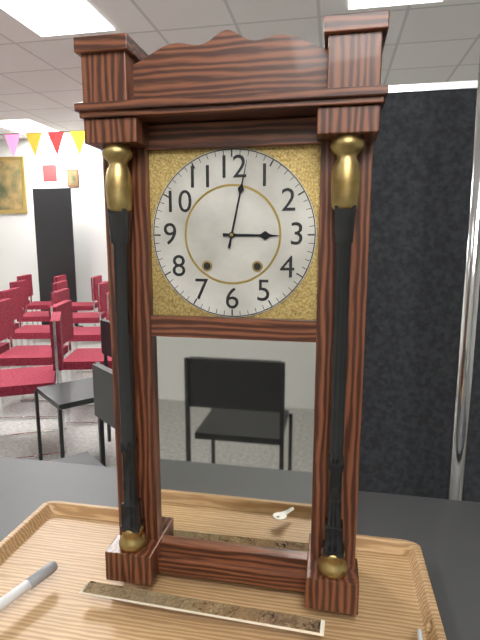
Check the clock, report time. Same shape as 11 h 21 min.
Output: 3 h 02 min
